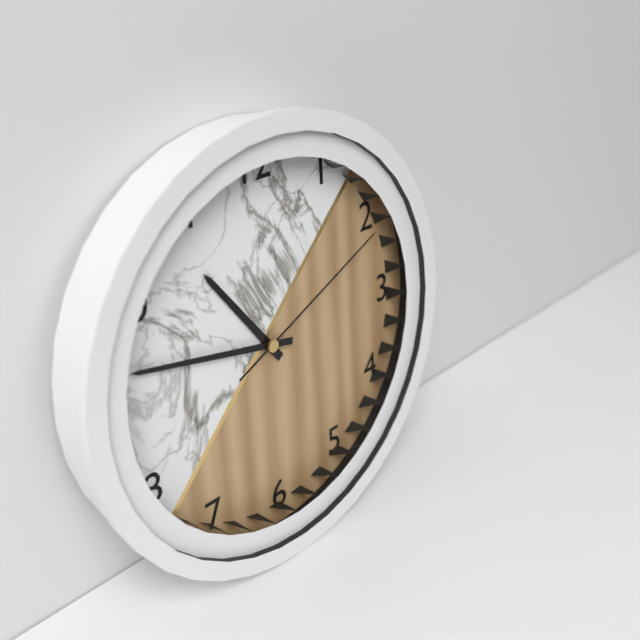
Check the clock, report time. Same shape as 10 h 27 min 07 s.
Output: 10 h 47 min 11 s
